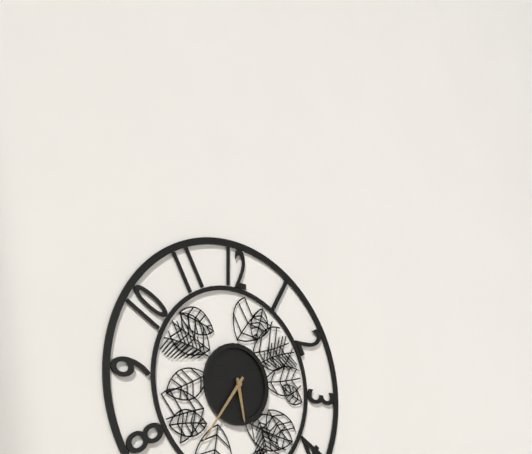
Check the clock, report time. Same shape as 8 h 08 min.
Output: 5 h 36 min
